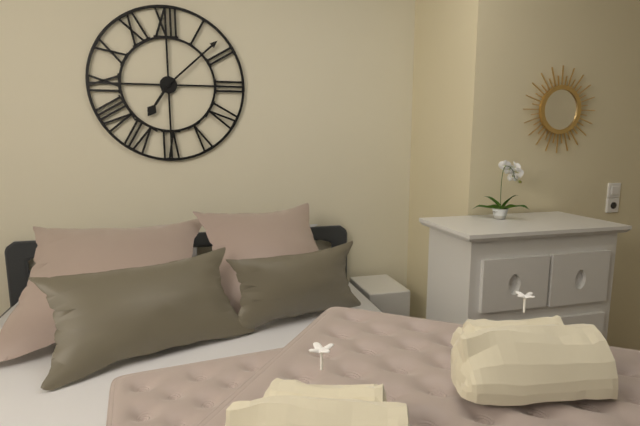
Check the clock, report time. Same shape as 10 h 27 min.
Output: 7 h 08 min
